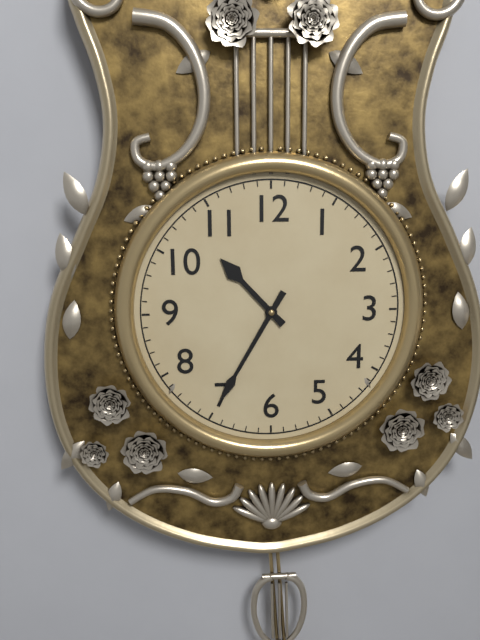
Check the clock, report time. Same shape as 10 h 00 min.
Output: 10 h 35 min
